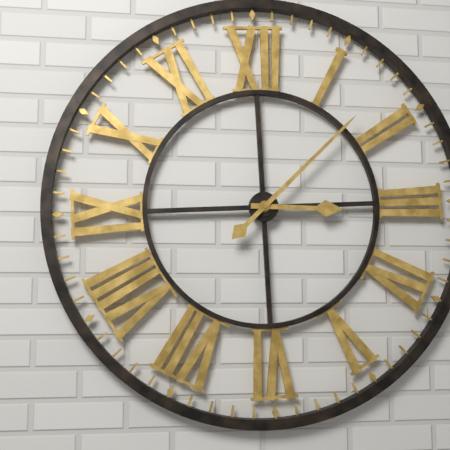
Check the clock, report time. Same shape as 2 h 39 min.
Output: 3 h 08 min
